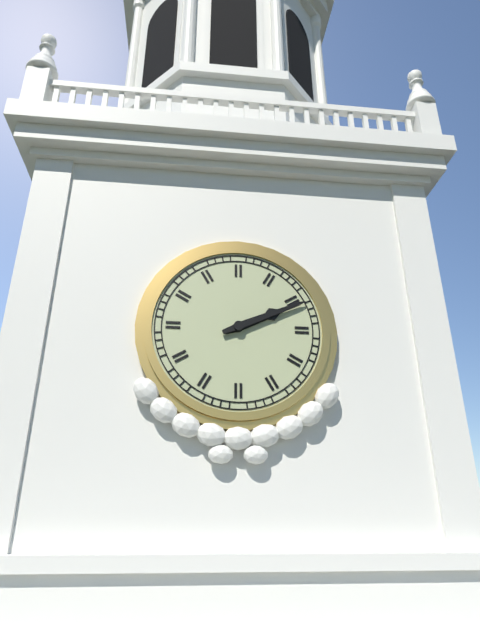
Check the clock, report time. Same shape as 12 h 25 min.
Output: 2 h 11 min
